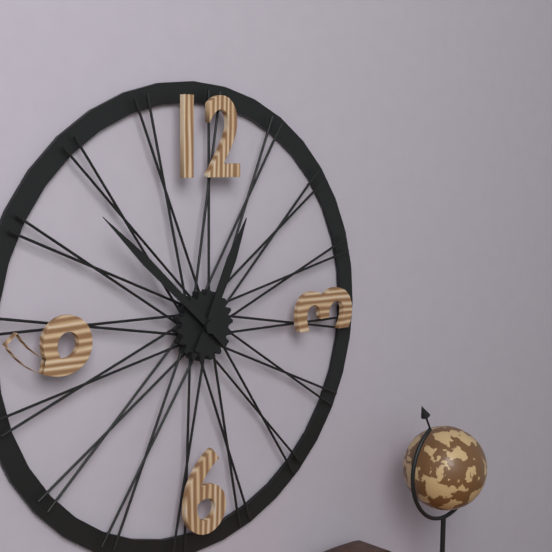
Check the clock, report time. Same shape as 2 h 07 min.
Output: 12 h 52 min
